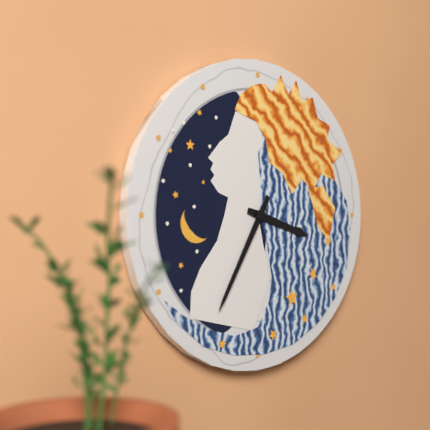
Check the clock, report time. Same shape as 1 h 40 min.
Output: 3 h 35 min
